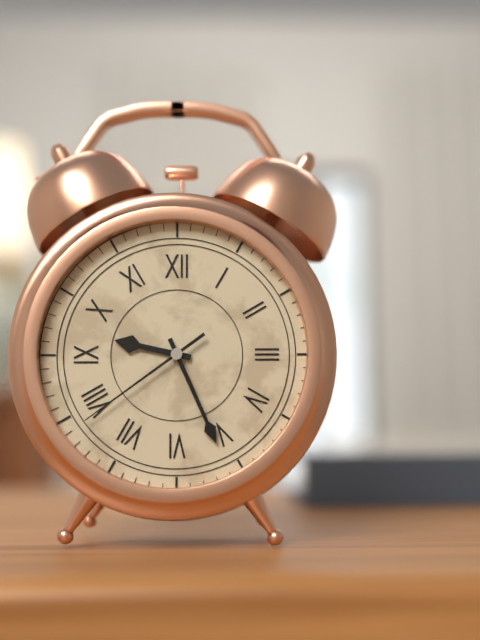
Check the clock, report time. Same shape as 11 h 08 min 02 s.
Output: 9 h 26 min 39 s
